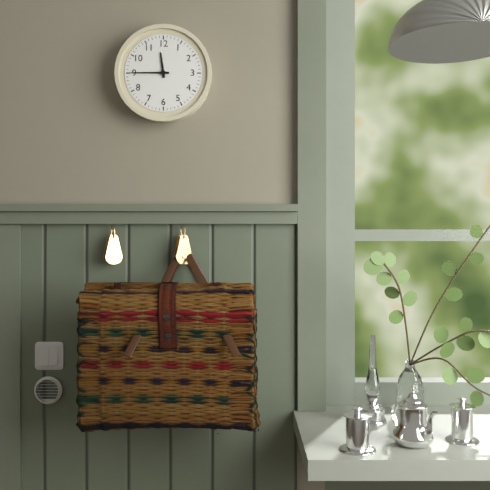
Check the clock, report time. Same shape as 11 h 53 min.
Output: 11 h 45 min
